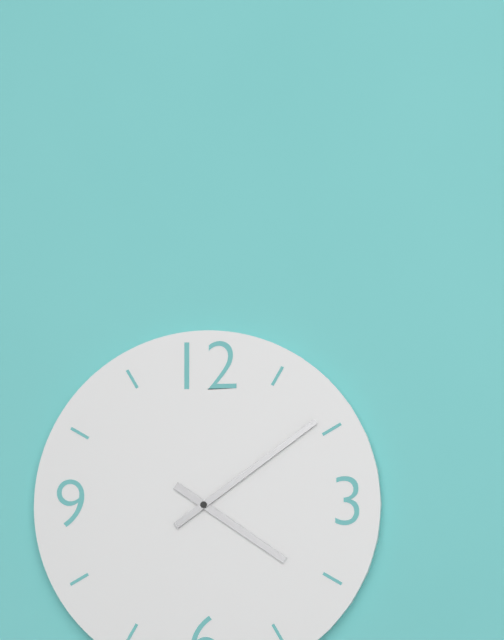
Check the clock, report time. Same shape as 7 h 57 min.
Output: 4 h 09 min
